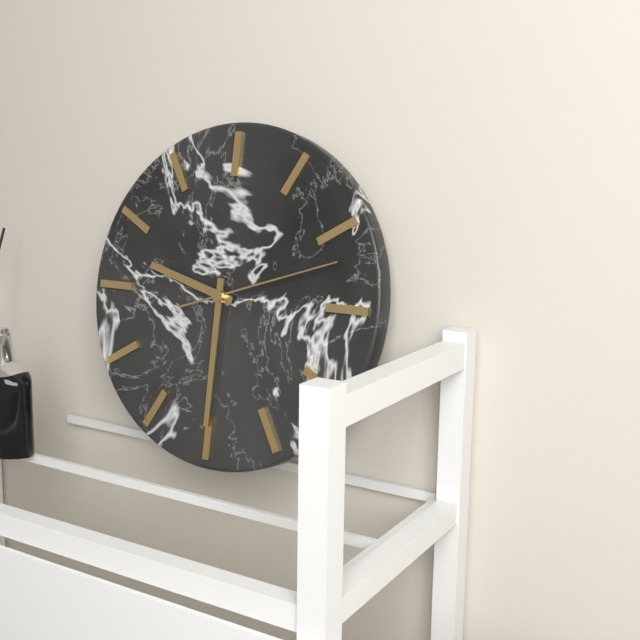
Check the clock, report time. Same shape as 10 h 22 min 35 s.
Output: 9 h 30 min 12 s
